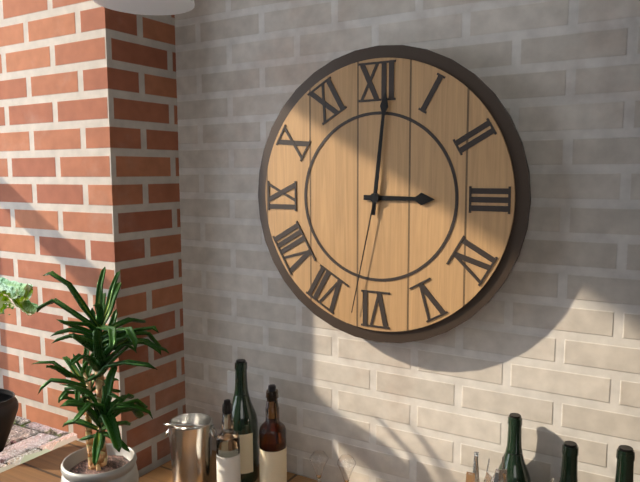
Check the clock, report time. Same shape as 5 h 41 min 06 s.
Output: 3 h 01 min 32 s
